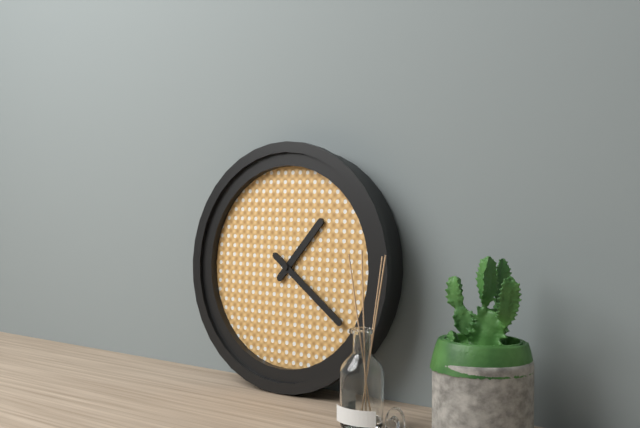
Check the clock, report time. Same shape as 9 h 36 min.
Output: 1 h 21 min
